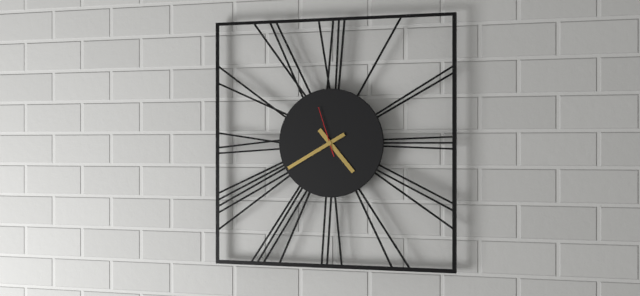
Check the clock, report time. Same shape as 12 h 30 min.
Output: 4 h 40 min
